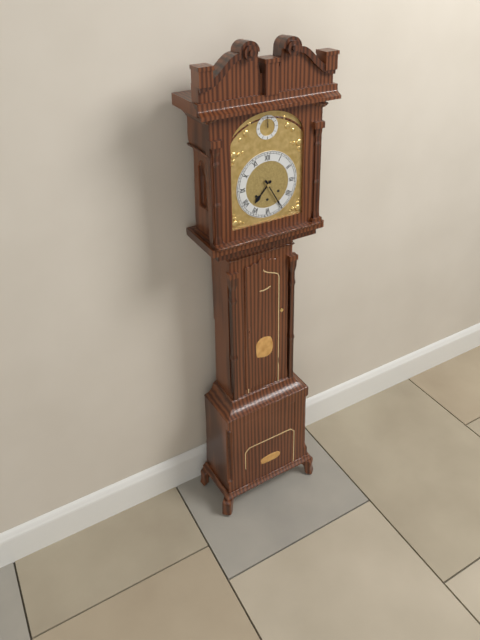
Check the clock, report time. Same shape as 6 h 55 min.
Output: 7 h 25 min
